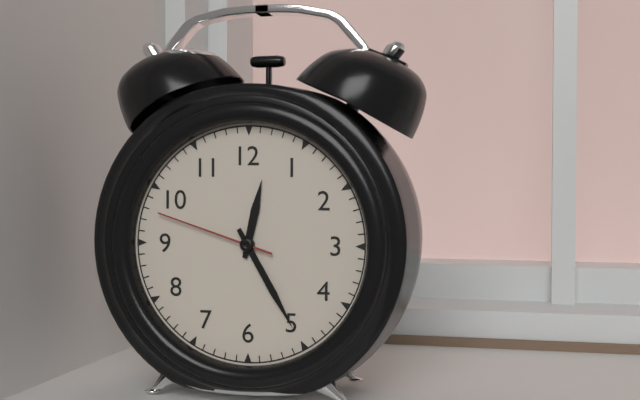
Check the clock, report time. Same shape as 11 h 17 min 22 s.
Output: 12 h 25 min 48 s
